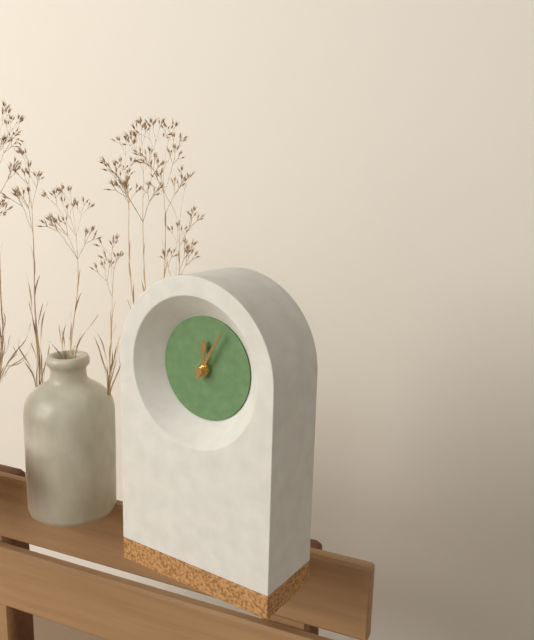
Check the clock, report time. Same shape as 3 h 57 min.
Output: 12 h 05 min
